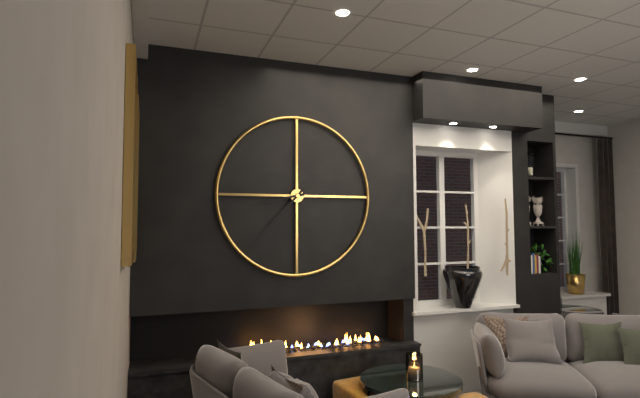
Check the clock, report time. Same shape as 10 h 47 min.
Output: 8 h 37 min
